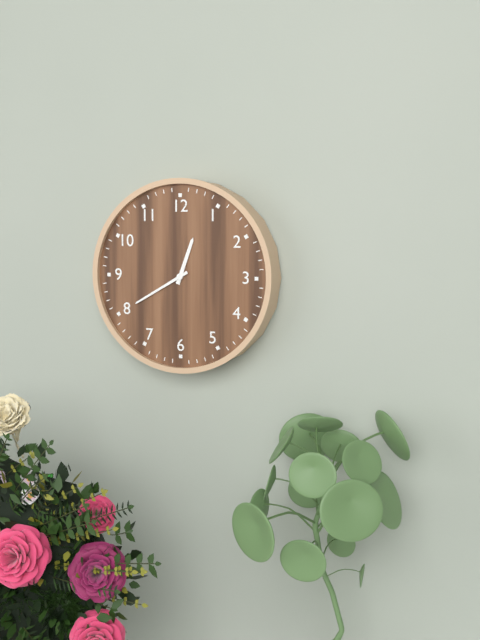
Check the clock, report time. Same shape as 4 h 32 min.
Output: 12 h 40 min
